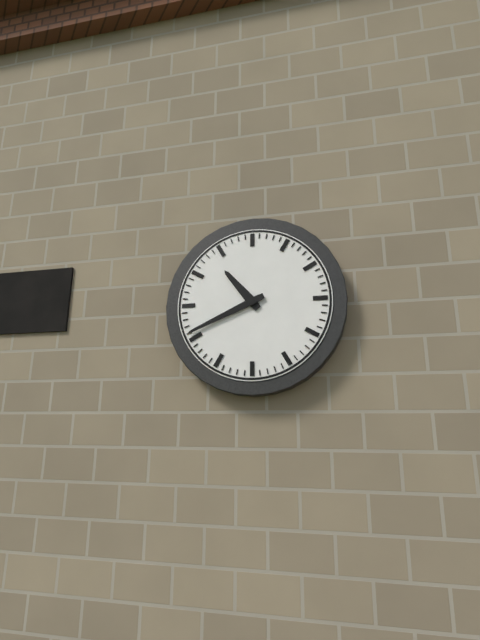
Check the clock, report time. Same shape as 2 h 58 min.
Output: 10 h 41 min
